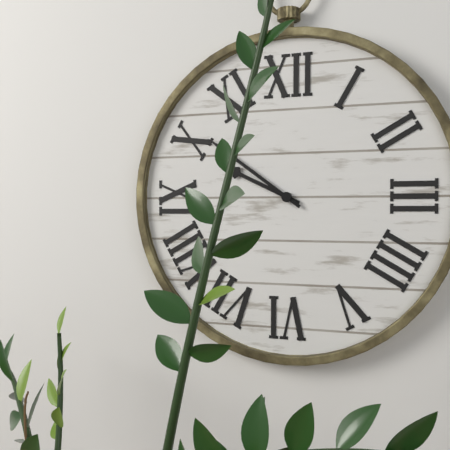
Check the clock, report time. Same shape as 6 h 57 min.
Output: 9 h 51 min
